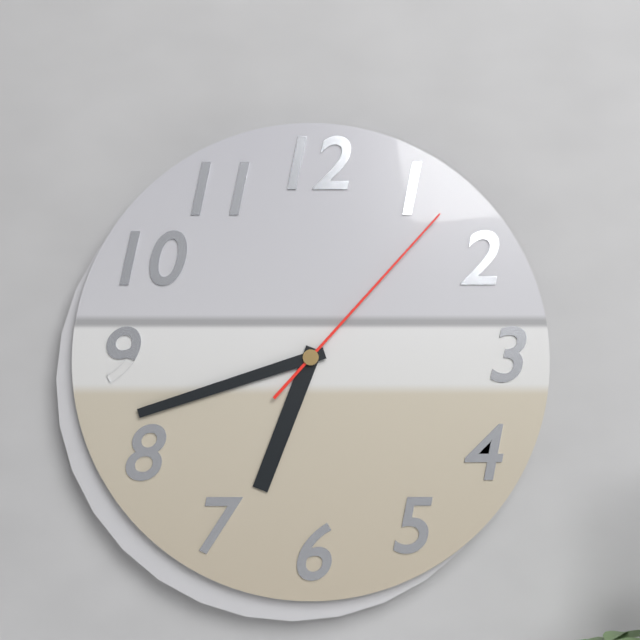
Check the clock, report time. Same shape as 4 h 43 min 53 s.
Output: 6 h 42 min 07 s
